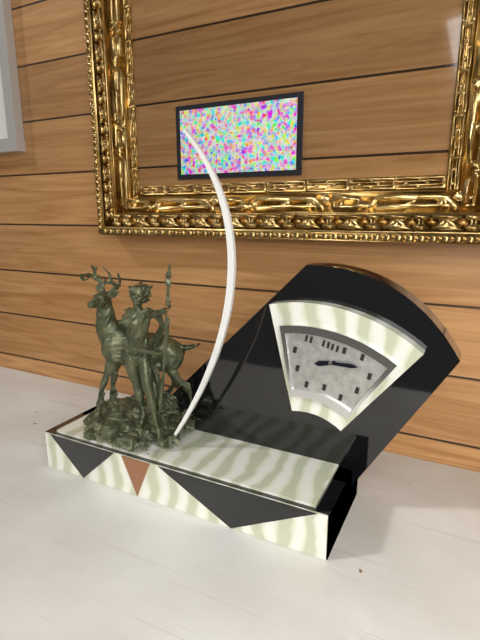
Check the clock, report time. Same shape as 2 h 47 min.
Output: 8 h 13 min
